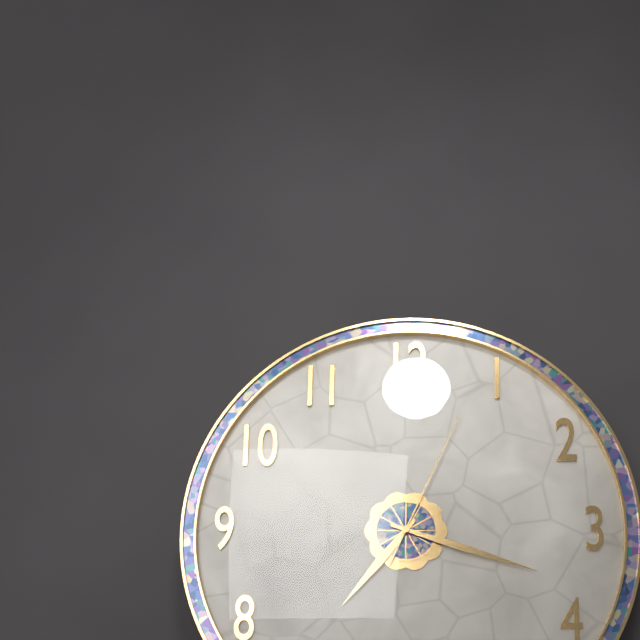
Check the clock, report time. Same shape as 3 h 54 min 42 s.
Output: 7 h 18 min 04 s
